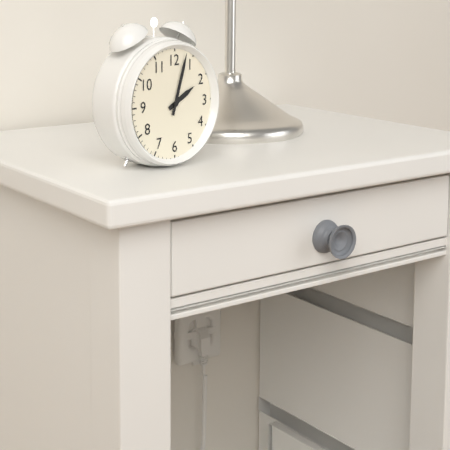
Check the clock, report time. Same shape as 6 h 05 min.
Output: 2 h 03 min
